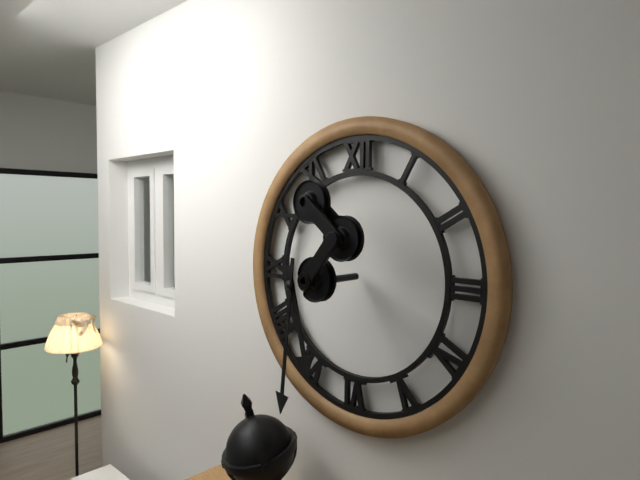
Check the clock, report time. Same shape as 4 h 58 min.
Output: 5 h 31 min
